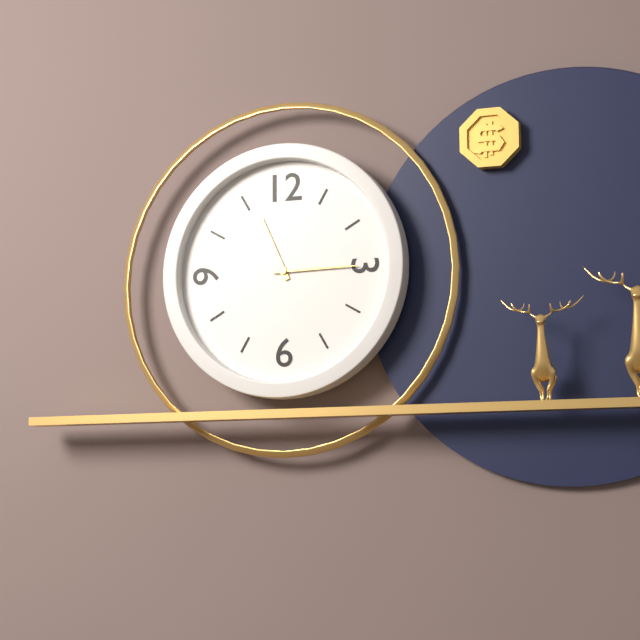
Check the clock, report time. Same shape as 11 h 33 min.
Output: 11 h 15 min
